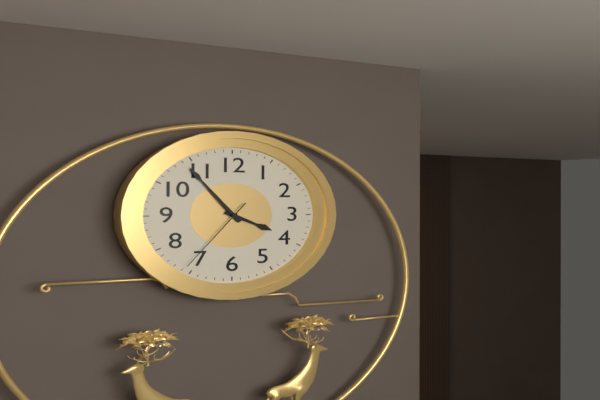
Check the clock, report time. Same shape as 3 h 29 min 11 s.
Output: 3 h 54 min 36 s
